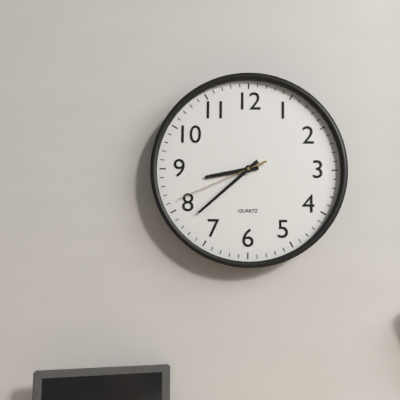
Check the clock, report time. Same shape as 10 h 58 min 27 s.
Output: 8 h 38 min 41 s
